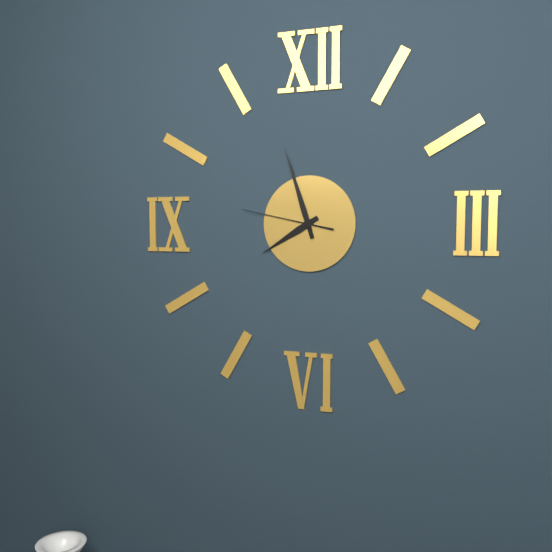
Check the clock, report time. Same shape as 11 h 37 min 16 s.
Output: 7 h 57 min 47 s
